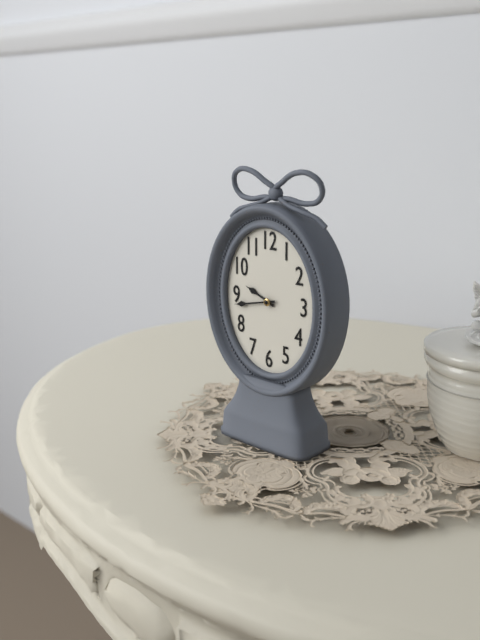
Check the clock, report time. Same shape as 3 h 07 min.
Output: 9 h 43 min
